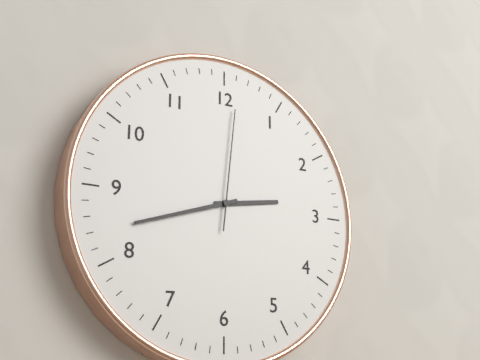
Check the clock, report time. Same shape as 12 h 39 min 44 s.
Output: 2 h 42 min 01 s
